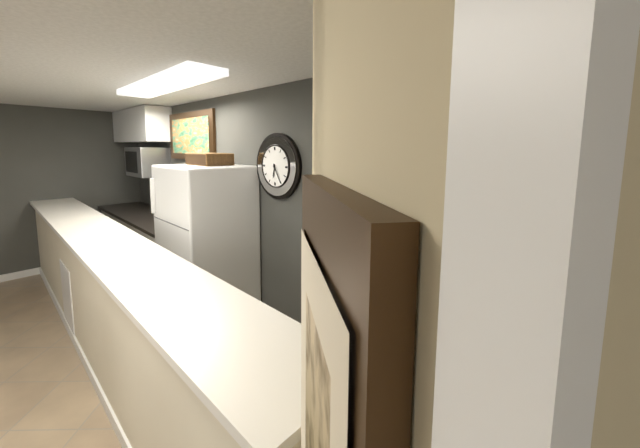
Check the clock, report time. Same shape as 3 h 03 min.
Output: 6 h 25 min
